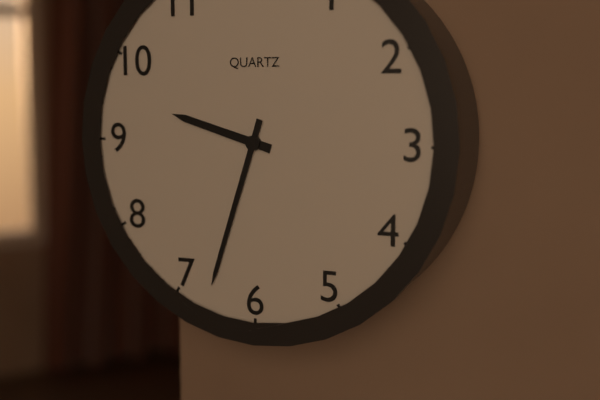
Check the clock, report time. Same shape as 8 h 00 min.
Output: 9 h 33 min
